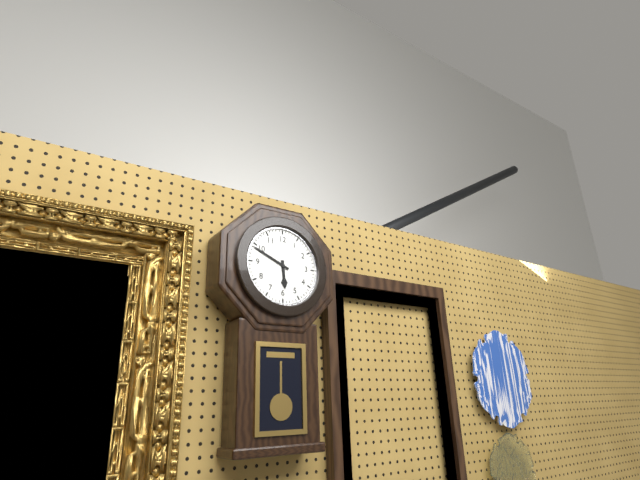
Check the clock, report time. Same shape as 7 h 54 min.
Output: 5 h 49 min
